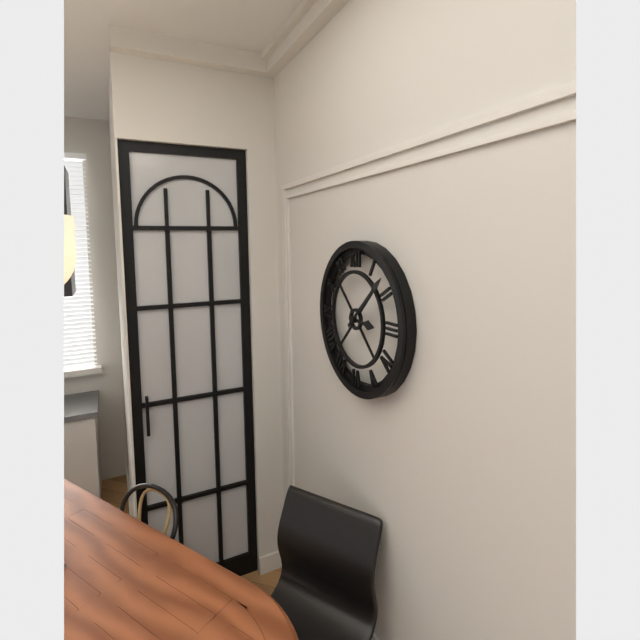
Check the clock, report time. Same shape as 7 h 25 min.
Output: 3 h 08 min
